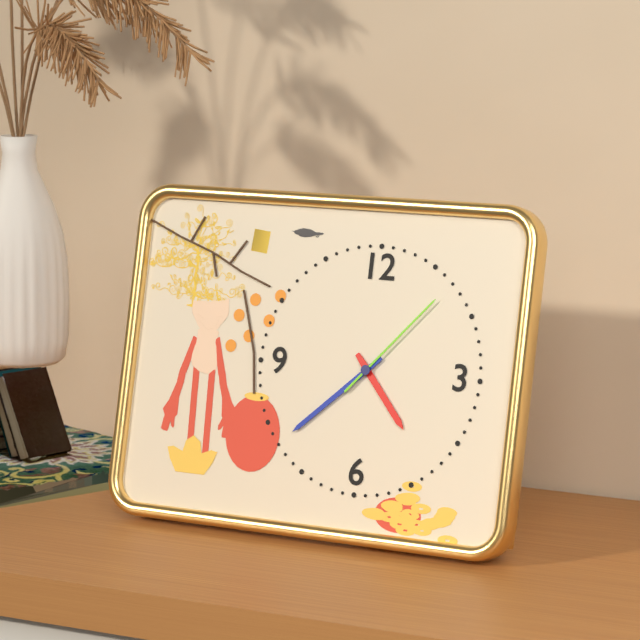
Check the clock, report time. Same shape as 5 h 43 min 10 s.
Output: 4 h 38 min 07 s
